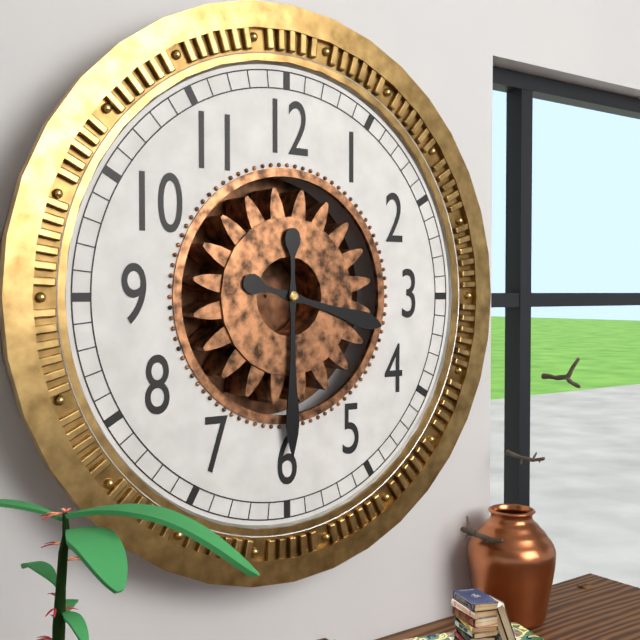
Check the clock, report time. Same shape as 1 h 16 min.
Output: 3 h 30 min
